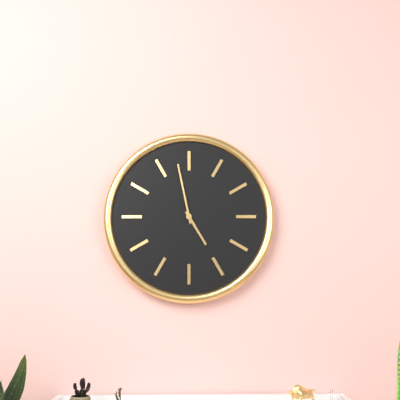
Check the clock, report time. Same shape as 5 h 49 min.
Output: 4 h 58 min
